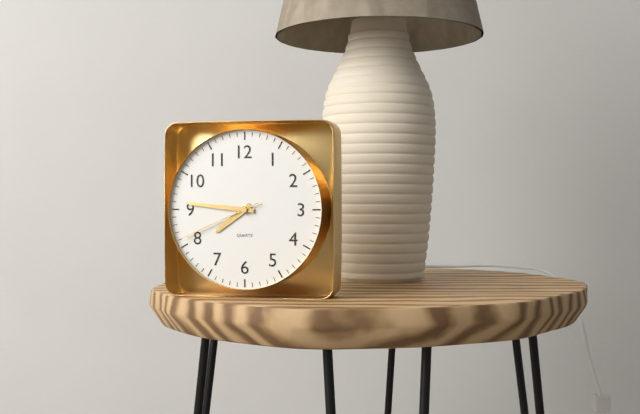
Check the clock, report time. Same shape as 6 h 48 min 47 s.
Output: 7 h 46 min 41 s
